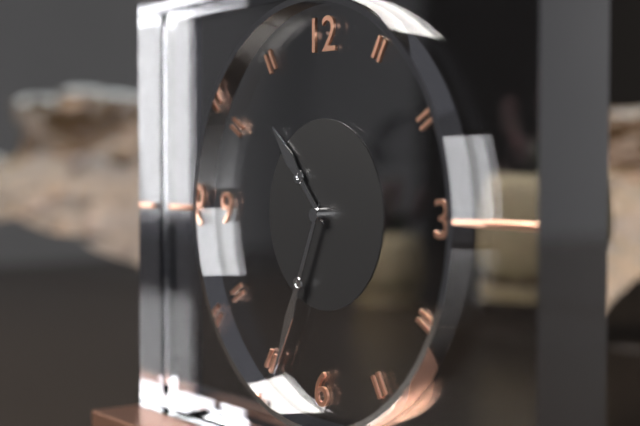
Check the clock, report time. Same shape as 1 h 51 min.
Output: 10 h 34 min
